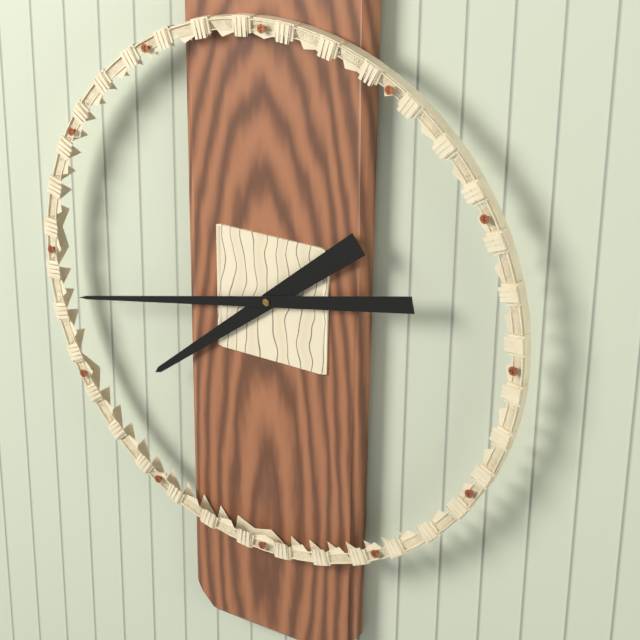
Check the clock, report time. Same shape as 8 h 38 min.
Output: 7 h 43 min
